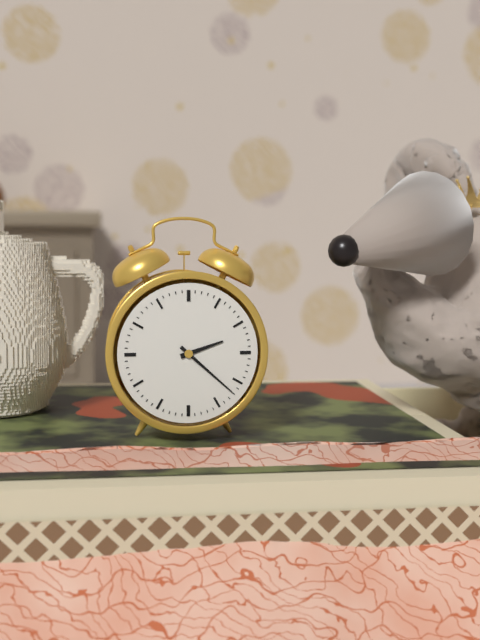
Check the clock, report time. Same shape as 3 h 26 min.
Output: 2 h 22 min
